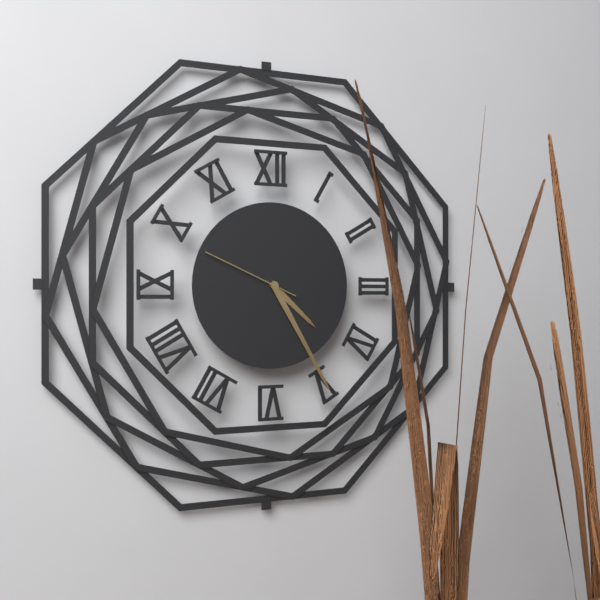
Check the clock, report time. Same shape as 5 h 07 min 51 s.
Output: 4 h 25 min 49 s
